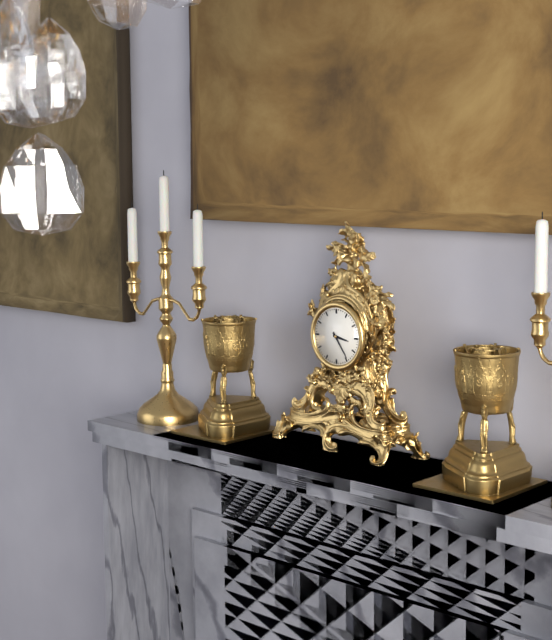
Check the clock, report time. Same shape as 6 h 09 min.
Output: 3 h 24 min
